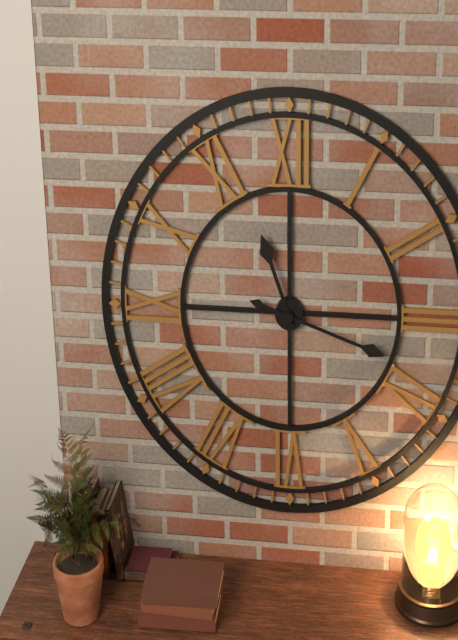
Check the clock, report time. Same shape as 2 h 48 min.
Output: 11 h 18 min
